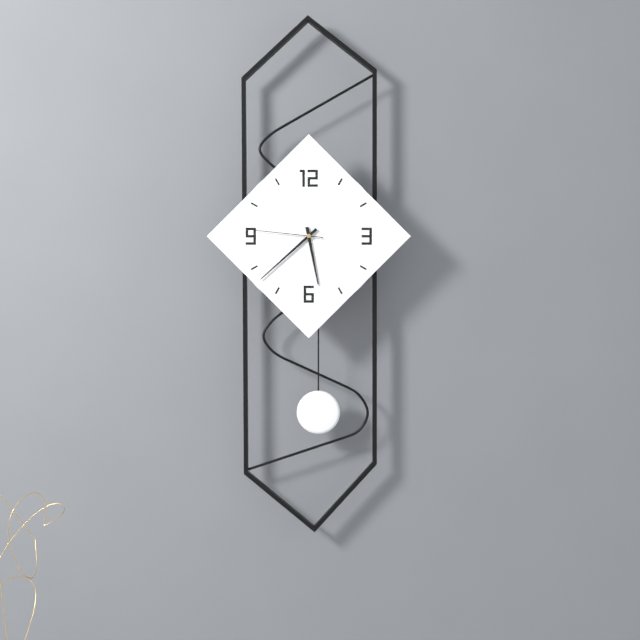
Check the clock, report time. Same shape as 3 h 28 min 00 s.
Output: 5 h 38 min 46 s
